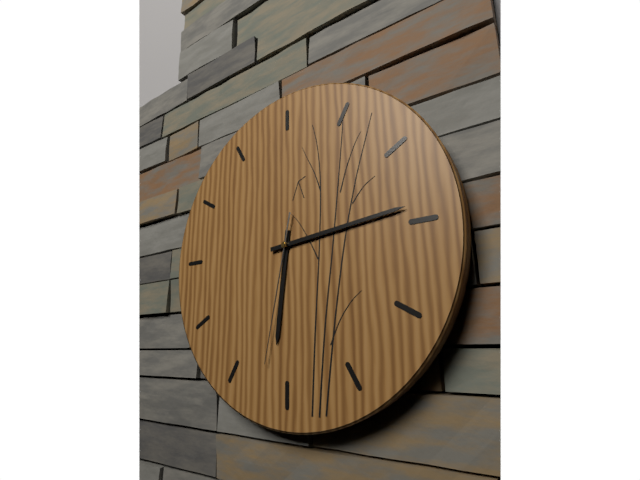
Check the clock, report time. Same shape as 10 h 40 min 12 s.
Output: 6 h 14 min 32 s
